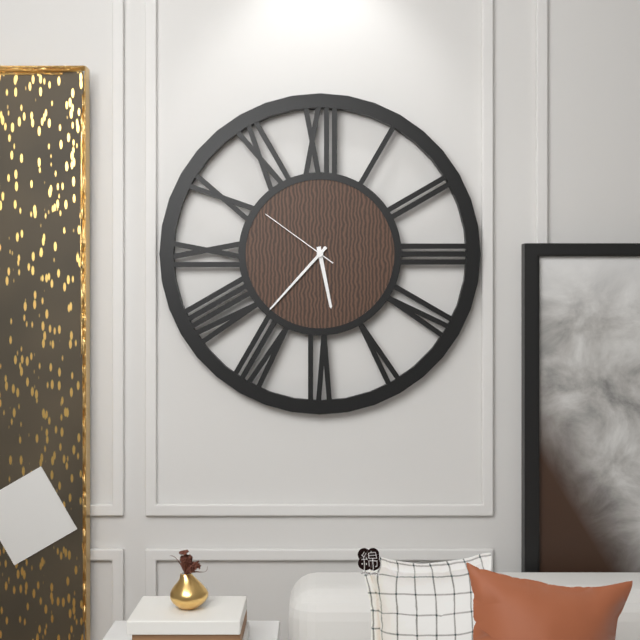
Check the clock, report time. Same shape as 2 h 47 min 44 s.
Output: 5 h 37 min 51 s
